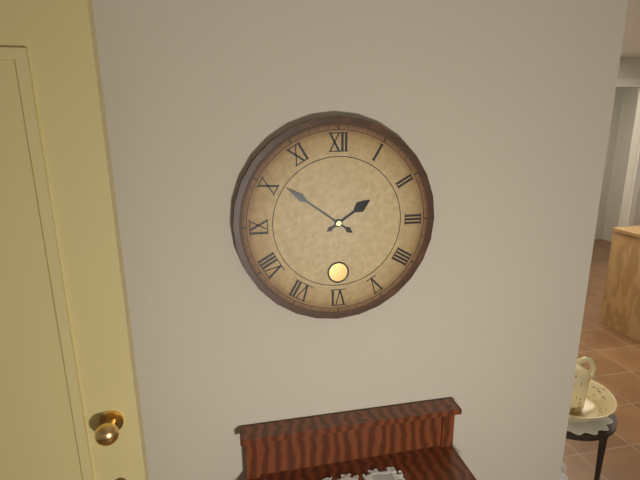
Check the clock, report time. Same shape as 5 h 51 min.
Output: 1 h 51 min
